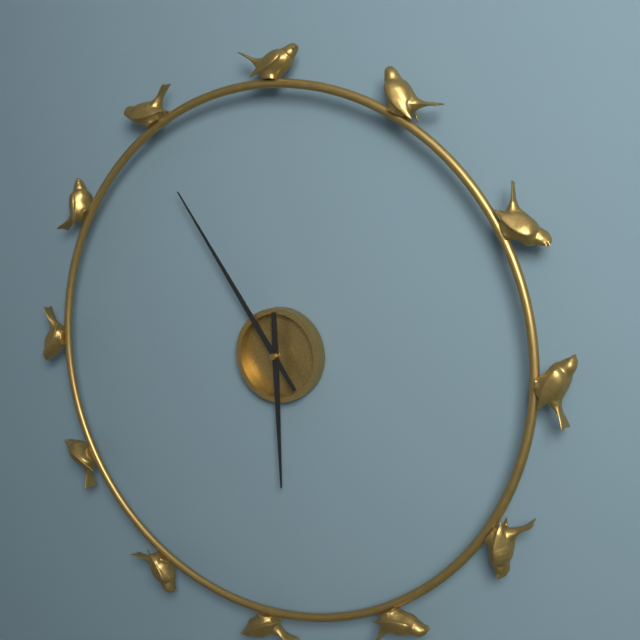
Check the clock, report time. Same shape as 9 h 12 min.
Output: 5 h 54 min
